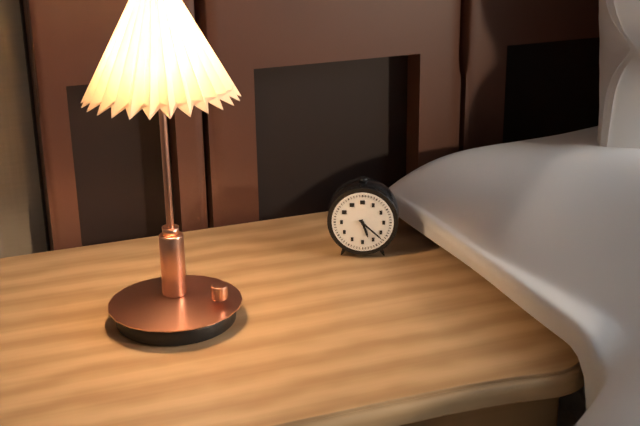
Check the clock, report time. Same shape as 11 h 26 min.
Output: 5 h 22 min
